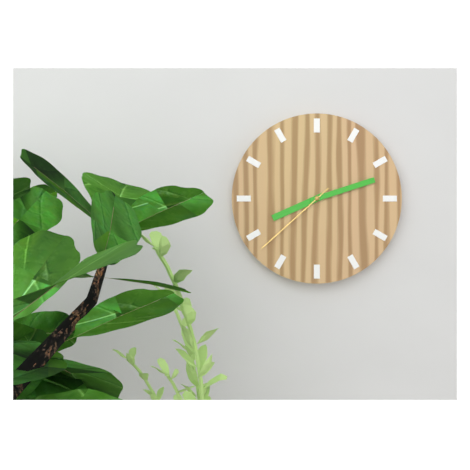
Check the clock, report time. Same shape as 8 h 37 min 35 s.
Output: 8 h 12 min 38 s
